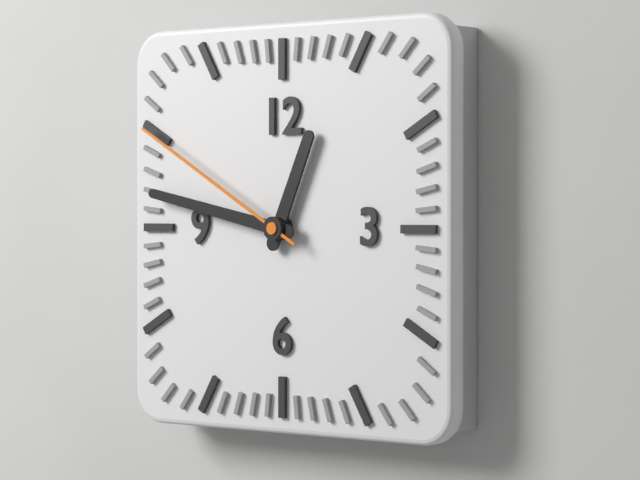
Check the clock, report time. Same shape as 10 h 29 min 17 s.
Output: 12 h 47 min 50 s
